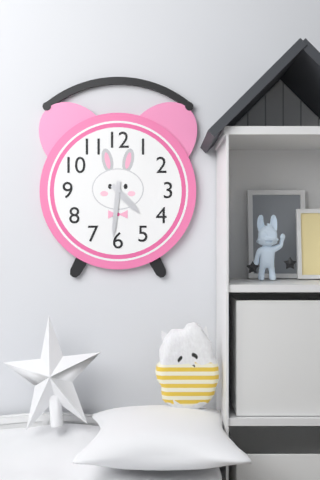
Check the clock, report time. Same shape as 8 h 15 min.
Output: 4 h 31 min
